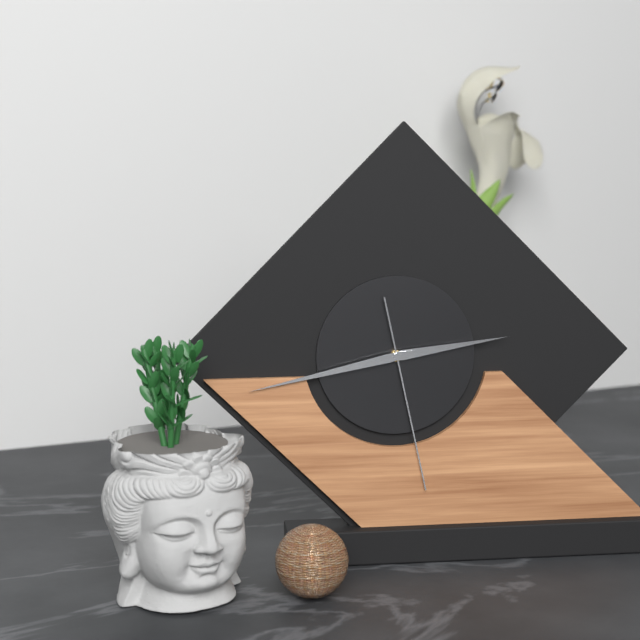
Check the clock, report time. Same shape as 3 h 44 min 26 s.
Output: 2 h 43 min 28 s
